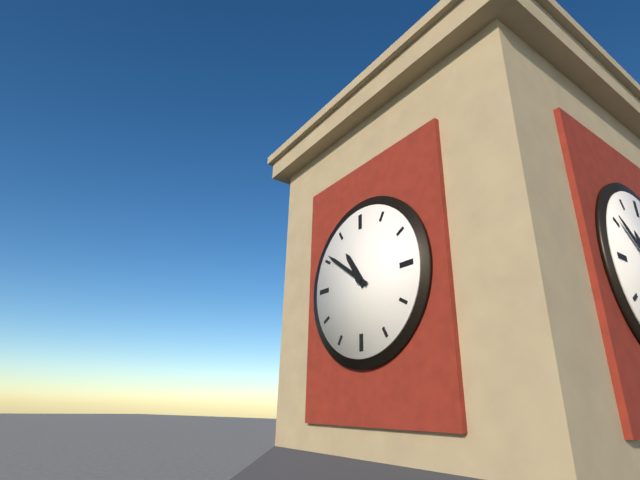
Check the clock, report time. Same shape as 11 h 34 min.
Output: 10 h 51 min
